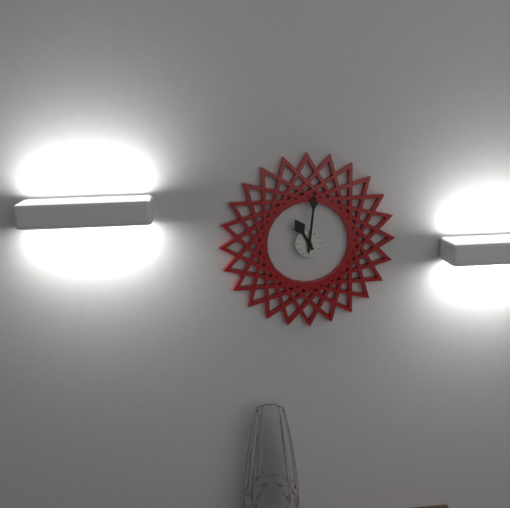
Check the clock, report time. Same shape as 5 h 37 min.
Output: 11 h 01 min
